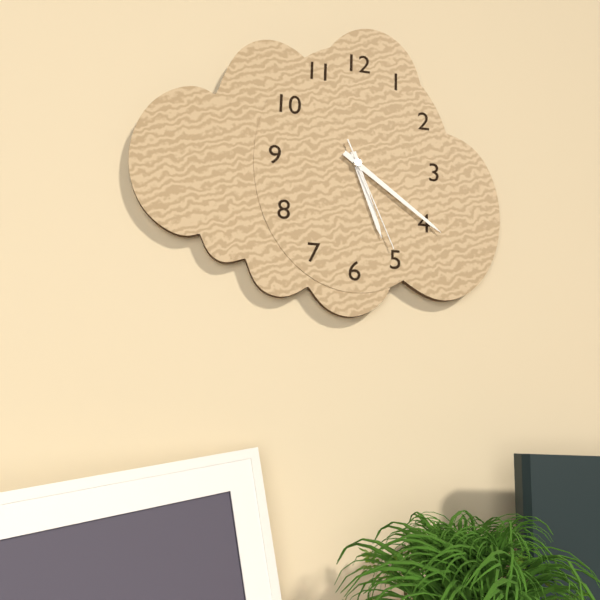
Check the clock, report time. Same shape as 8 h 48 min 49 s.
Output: 5 h 21 min 26 s
